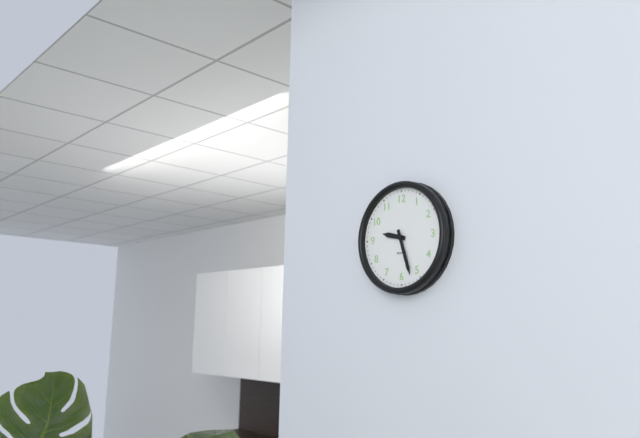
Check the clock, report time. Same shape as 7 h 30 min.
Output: 9 h 27 min
